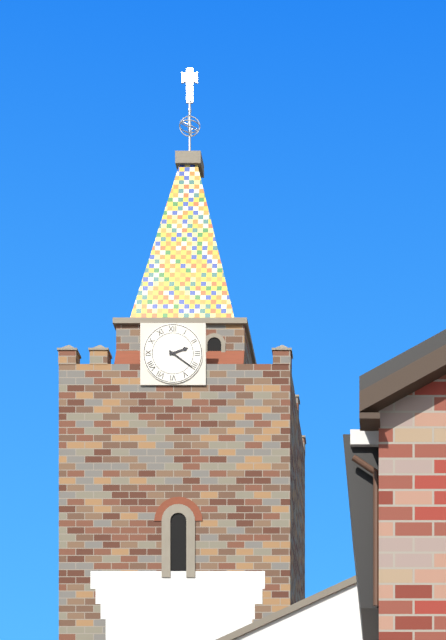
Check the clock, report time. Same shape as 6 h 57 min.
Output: 2 h 21 min
